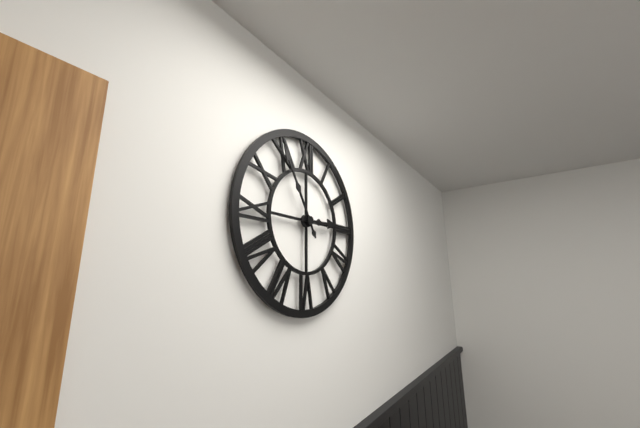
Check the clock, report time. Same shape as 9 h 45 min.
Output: 2 h 55 min
